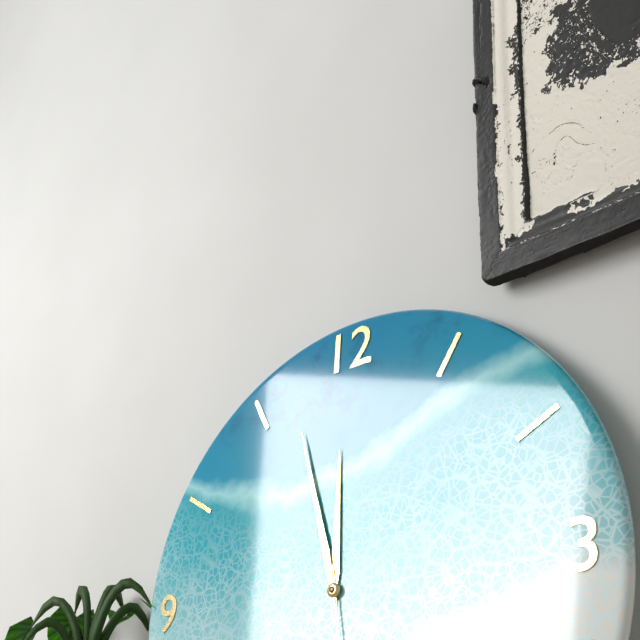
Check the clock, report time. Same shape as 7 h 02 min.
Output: 11 h 57 min
